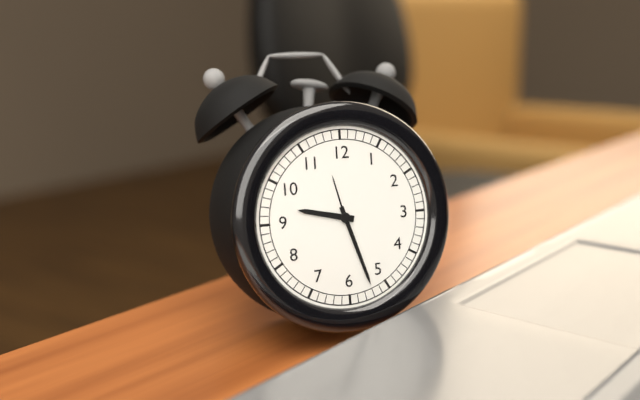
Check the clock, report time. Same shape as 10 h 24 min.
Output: 9 h 27 min
